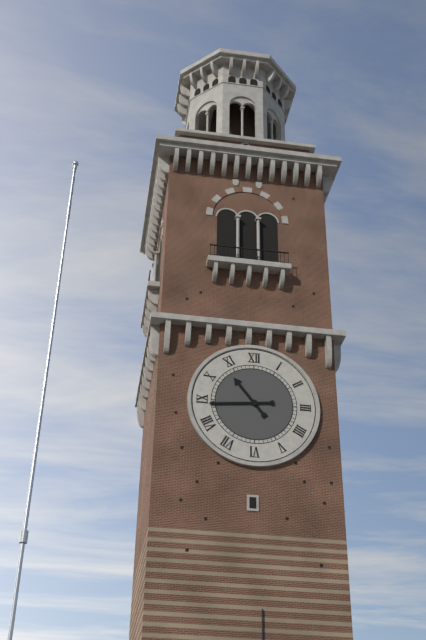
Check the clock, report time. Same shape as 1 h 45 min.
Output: 10 h 44 min
